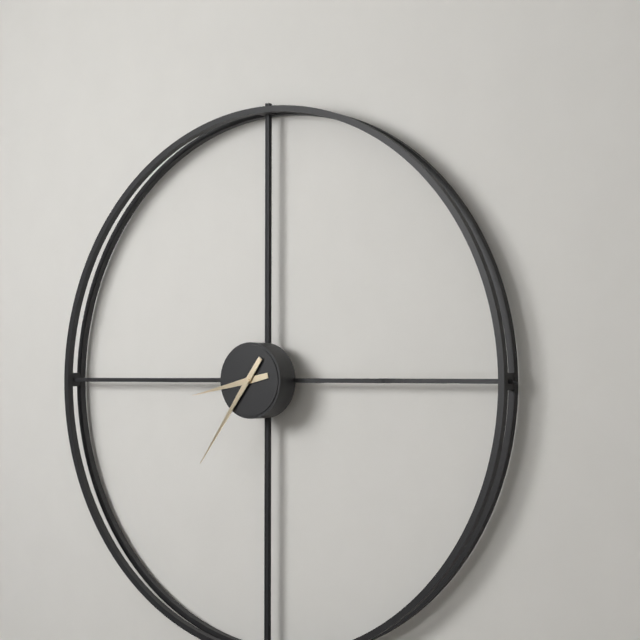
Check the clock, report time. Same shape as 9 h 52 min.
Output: 8 h 36 min
